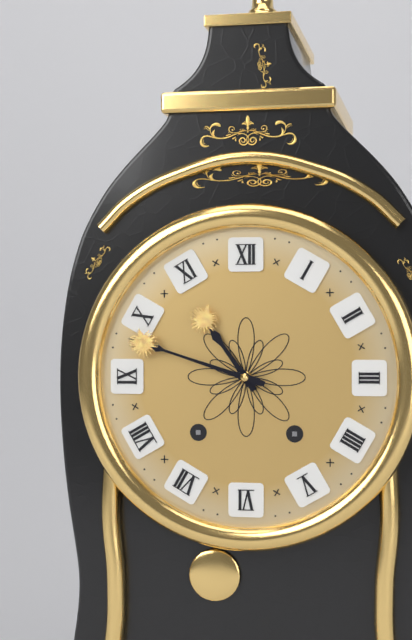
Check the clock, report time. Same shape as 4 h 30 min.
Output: 10 h 48 min
